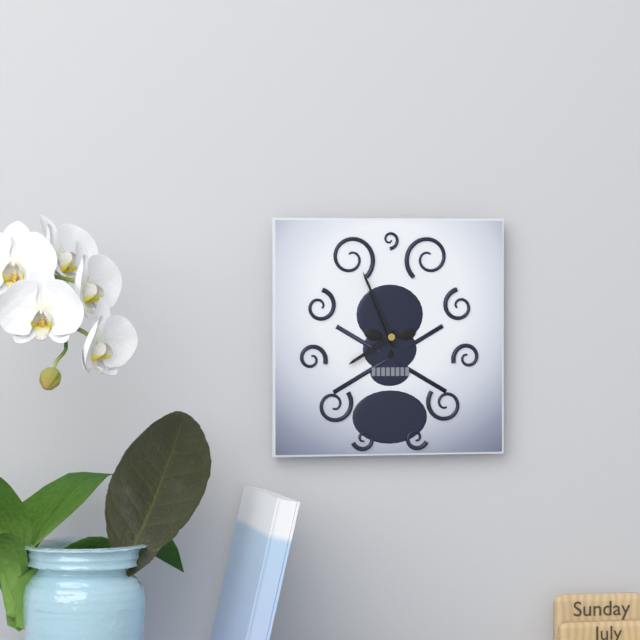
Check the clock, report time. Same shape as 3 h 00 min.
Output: 7 h 56 min
